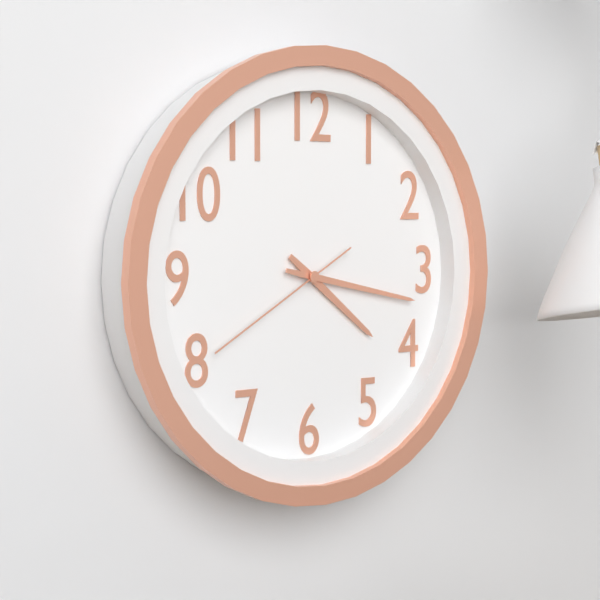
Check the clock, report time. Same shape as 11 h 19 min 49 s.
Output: 4 h 17 min 40 s
